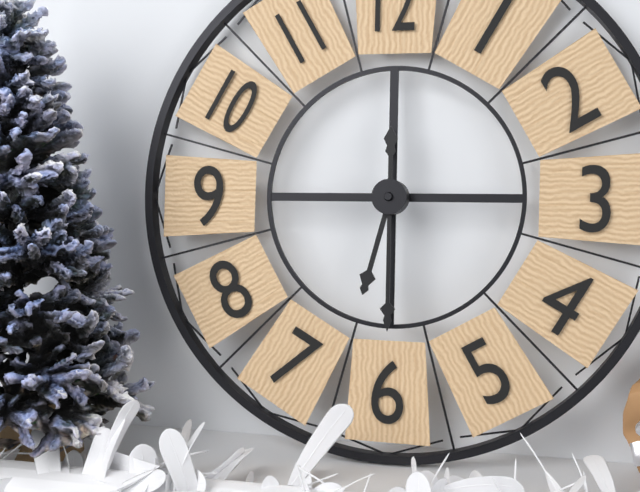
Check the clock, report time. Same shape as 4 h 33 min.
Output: 6 h 30 min
